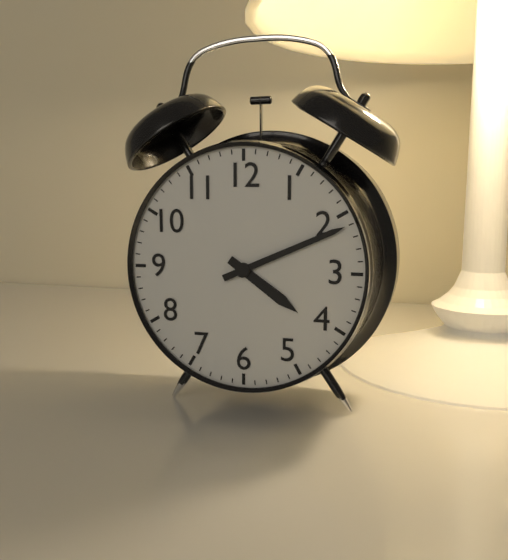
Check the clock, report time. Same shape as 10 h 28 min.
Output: 4 h 11 min
